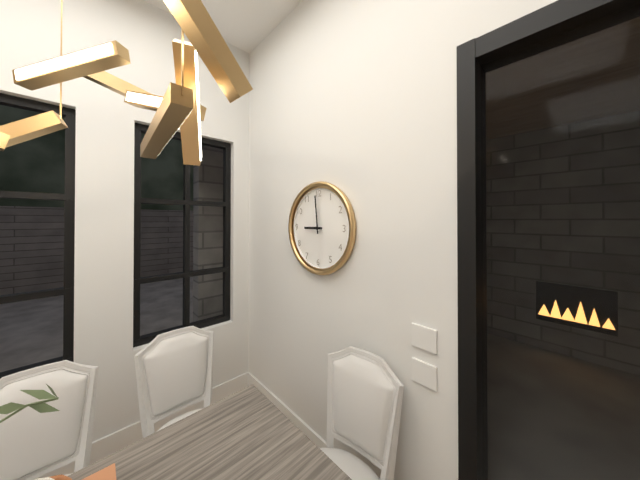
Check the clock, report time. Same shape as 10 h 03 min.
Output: 8 h 59 min
